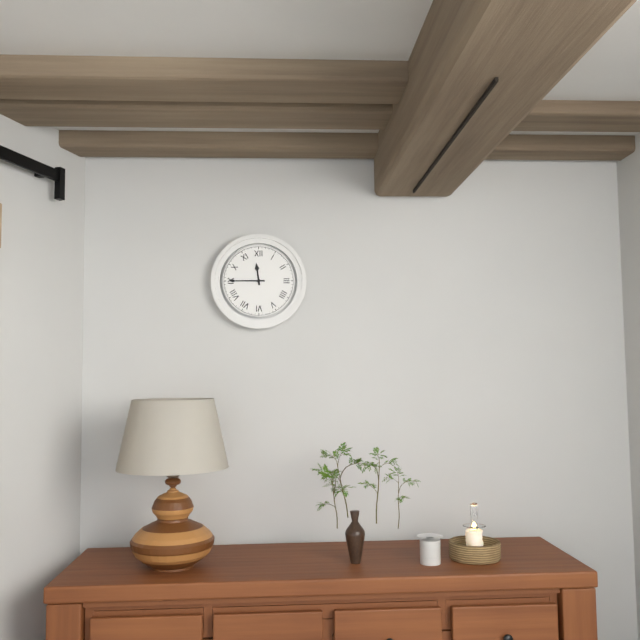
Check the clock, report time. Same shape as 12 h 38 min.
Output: 11 h 45 min
